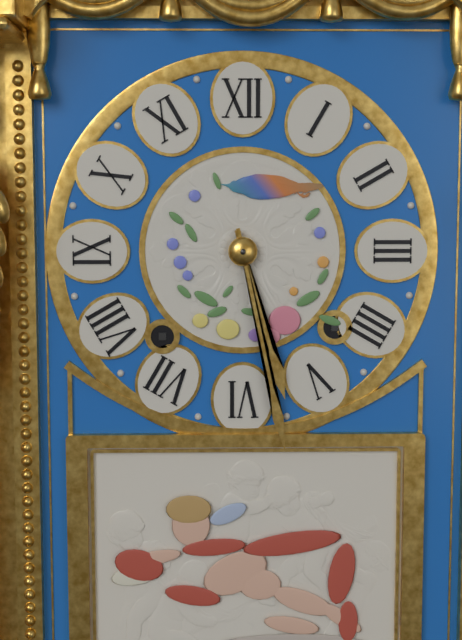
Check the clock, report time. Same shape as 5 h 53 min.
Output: 5 h 28 min
